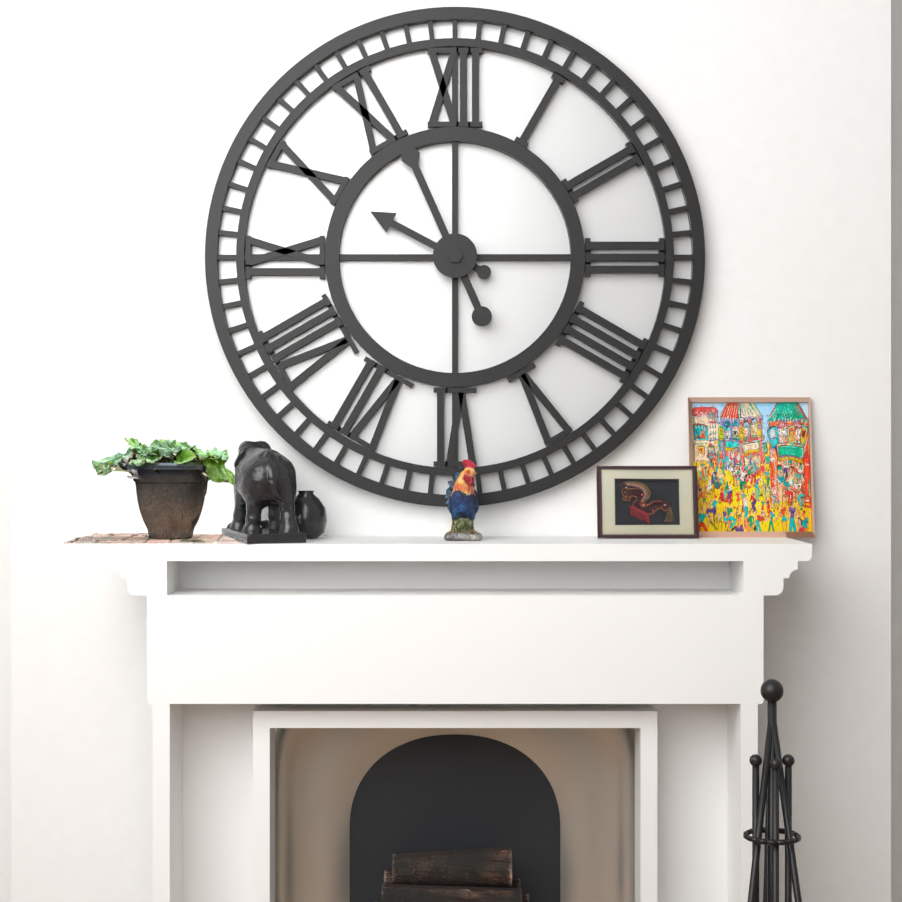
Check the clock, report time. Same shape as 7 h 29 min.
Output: 9 h 56 min
